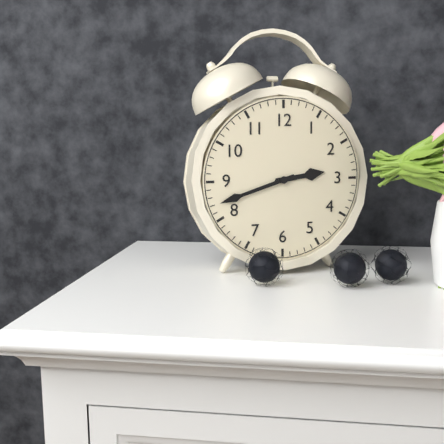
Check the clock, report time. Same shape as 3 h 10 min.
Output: 2 h 42 min
